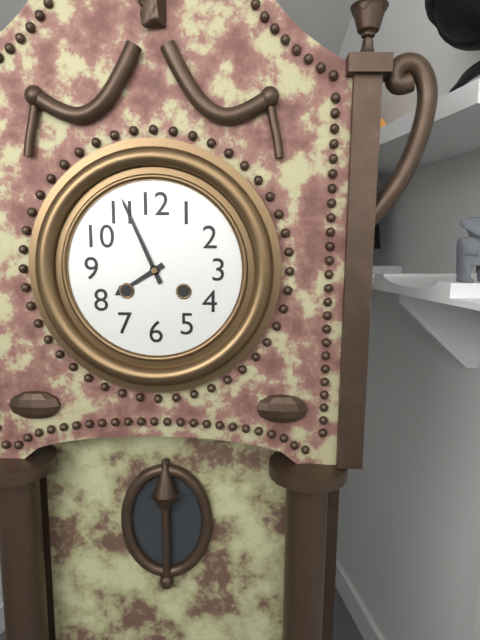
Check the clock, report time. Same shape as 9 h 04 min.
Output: 7 h 56 min
